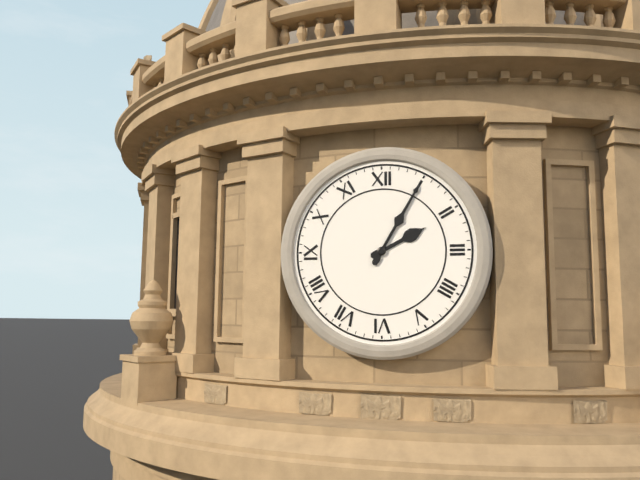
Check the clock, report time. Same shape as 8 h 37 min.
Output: 2 h 05 min
